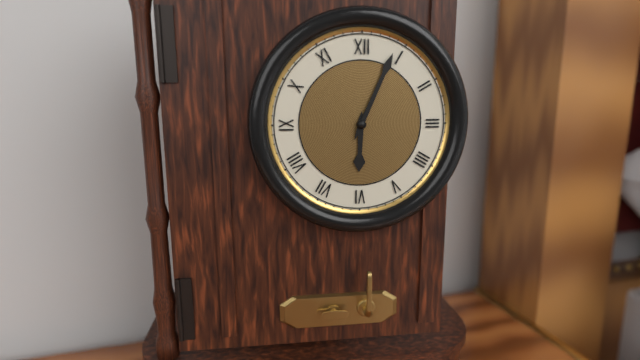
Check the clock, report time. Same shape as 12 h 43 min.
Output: 6 h 04 min
